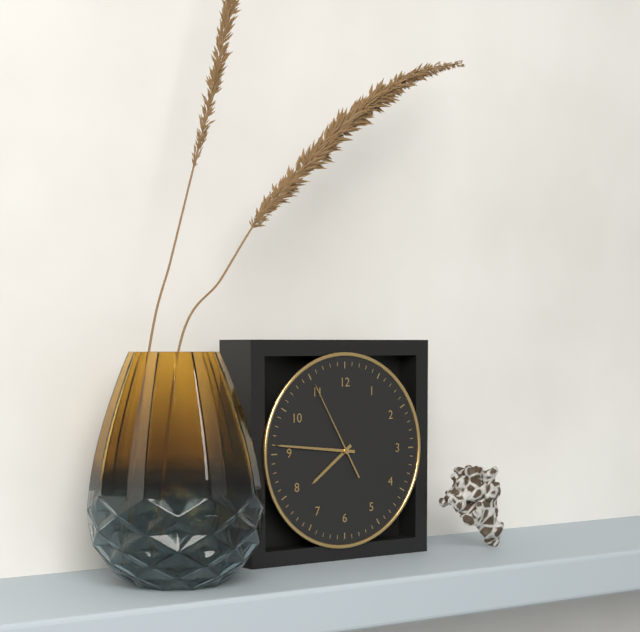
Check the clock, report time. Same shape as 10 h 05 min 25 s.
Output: 7 h 46 min 55 s
